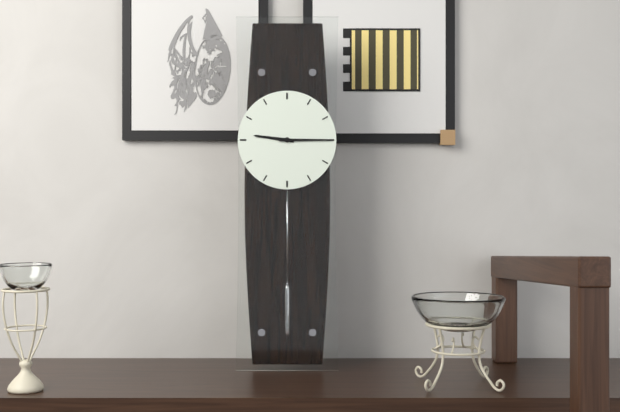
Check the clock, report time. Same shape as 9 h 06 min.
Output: 9 h 15 min
